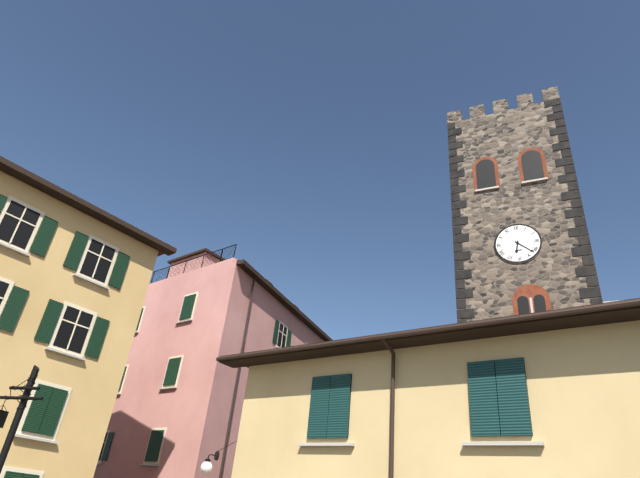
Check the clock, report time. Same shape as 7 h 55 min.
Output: 6 h 22 min
